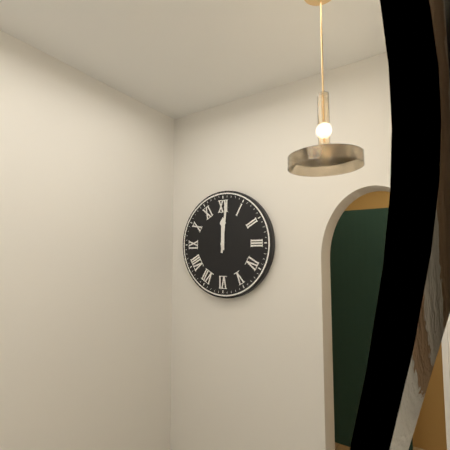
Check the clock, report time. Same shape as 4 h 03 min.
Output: 12 h 01 min
